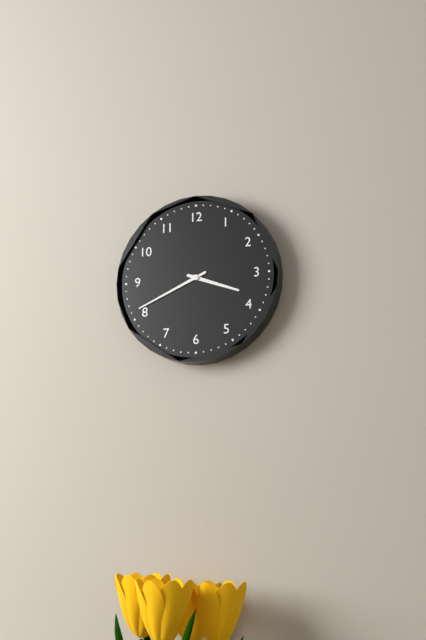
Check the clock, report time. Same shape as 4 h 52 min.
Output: 3 h 41 min
